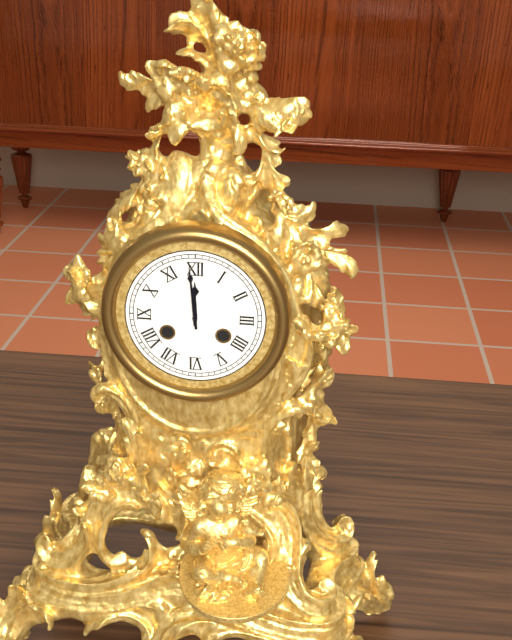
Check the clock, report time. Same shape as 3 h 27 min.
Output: 11 h 59 min
